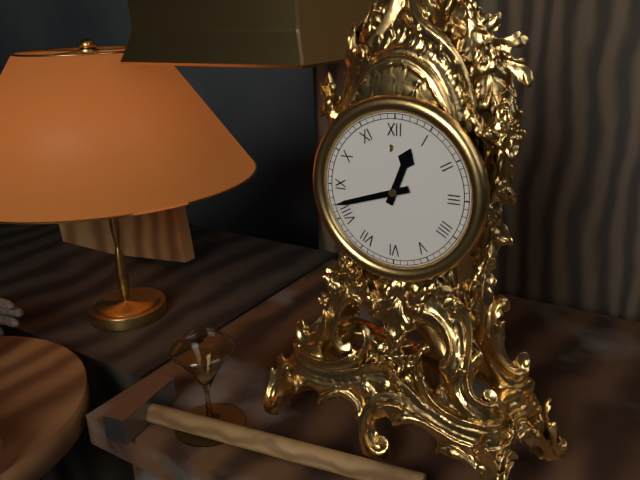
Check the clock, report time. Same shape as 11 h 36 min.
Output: 12 h 42 min
